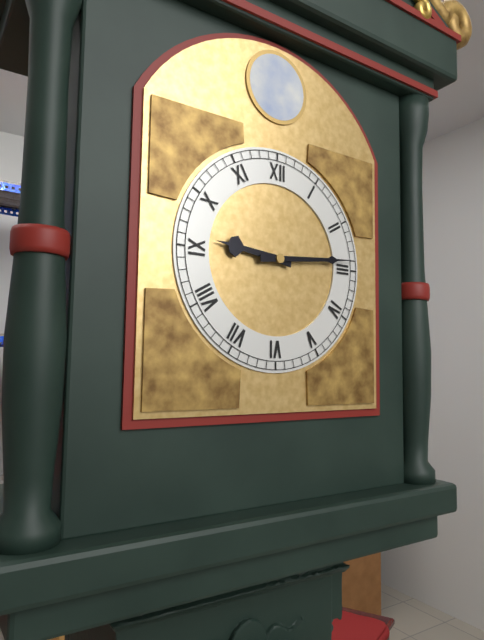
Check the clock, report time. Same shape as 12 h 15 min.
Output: 9 h 14 min
